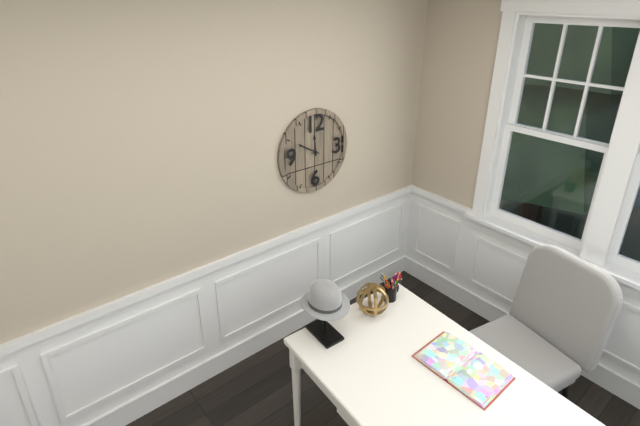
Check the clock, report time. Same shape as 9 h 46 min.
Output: 11 h 50 min
